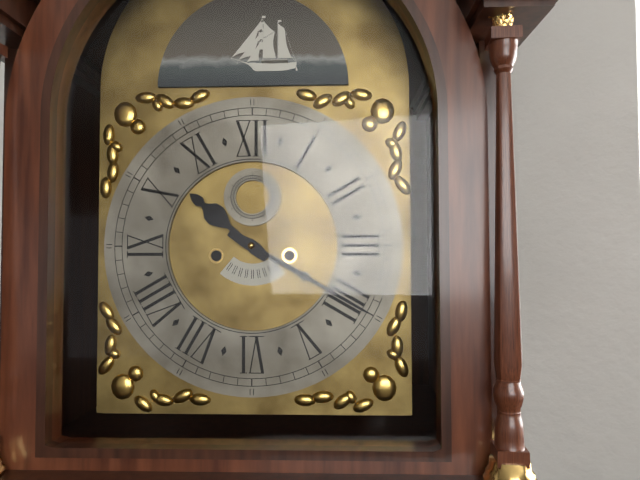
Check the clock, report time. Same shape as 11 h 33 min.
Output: 10 h 20 min
